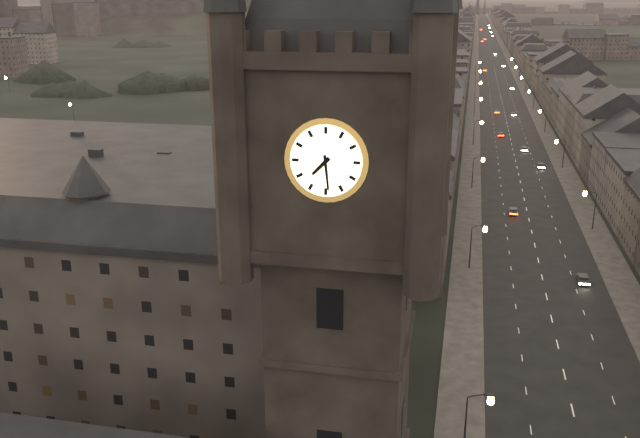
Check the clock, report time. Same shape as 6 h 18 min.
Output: 7 h 29 min
